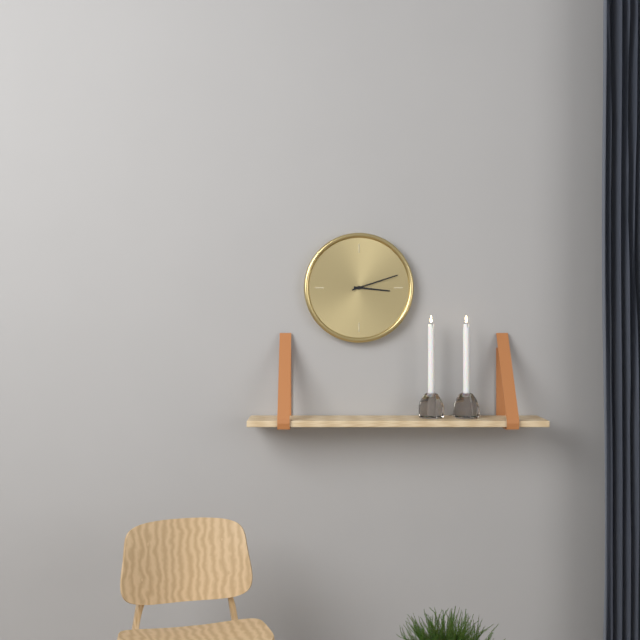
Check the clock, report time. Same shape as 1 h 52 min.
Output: 3 h 12 min
